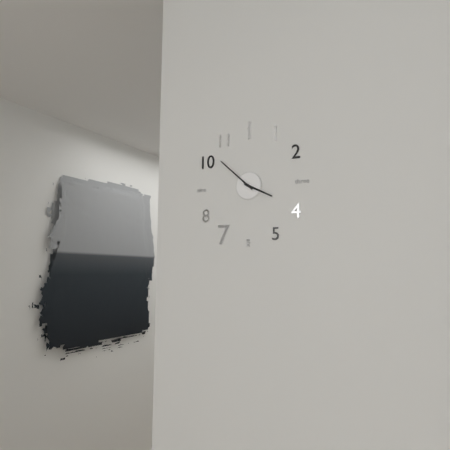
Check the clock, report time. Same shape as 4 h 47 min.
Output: 3 h 52 min
